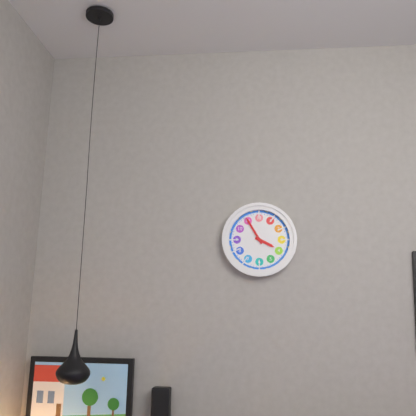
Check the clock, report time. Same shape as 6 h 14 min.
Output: 3 h 55 min
